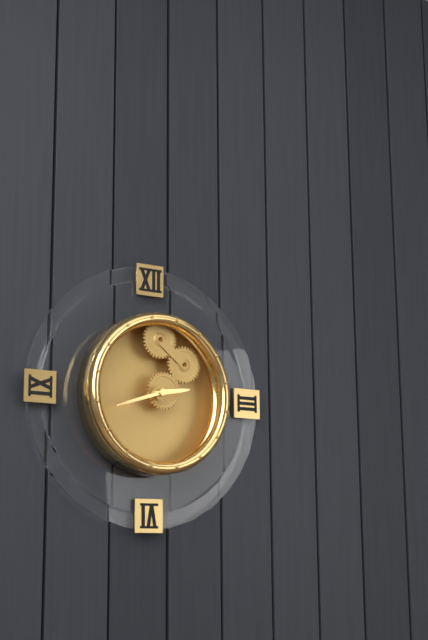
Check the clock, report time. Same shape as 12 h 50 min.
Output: 2 h 42 min
